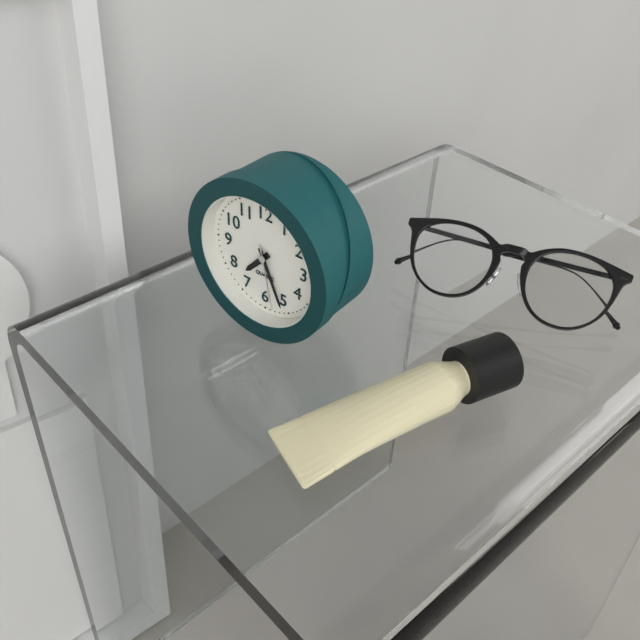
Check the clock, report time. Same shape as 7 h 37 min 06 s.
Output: 7 h 26 min 28 s
